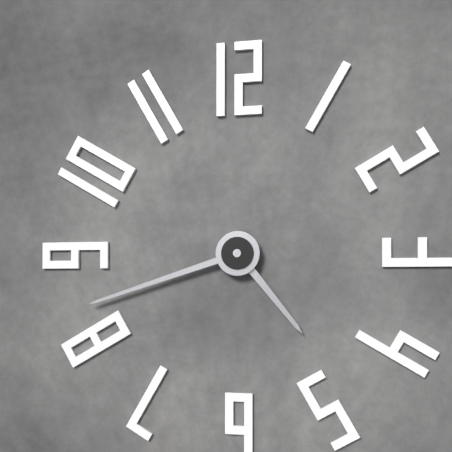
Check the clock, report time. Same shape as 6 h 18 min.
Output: 4 h 42 min
